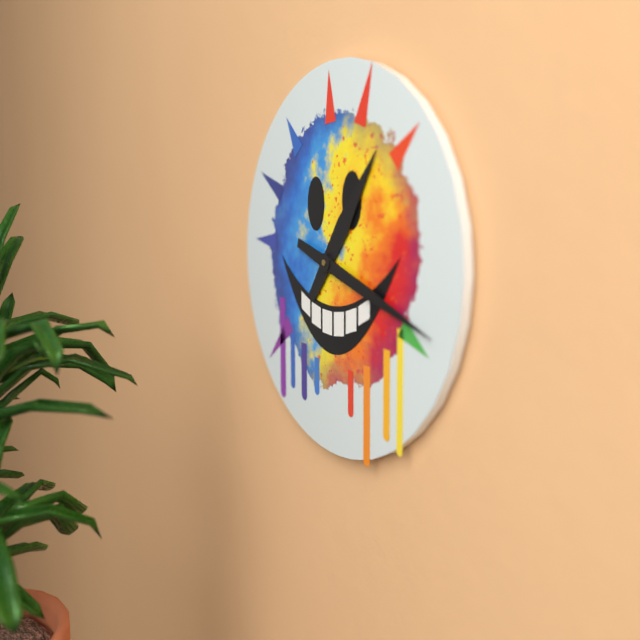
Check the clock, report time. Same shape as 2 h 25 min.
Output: 1 h 18 min
